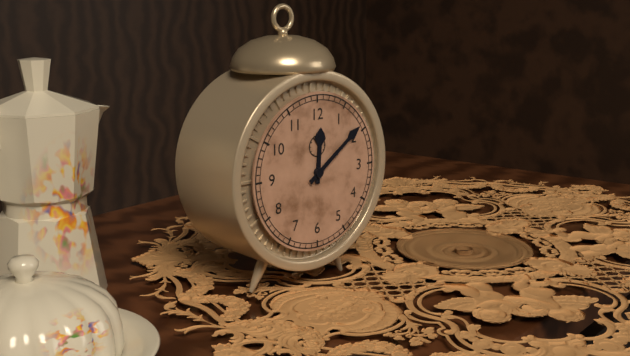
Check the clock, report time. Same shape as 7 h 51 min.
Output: 12 h 09 min
